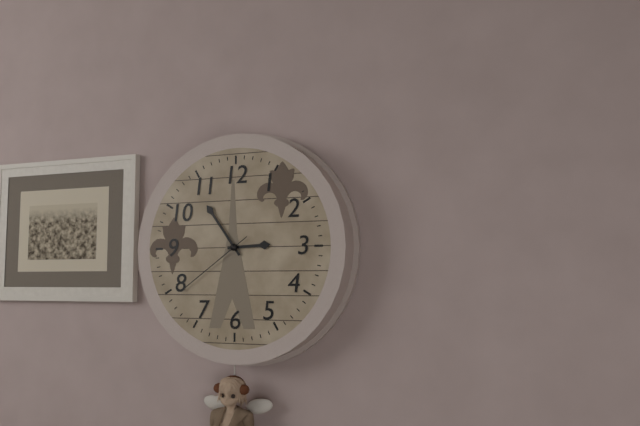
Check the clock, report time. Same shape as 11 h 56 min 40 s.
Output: 2 h 54 min 39 s
